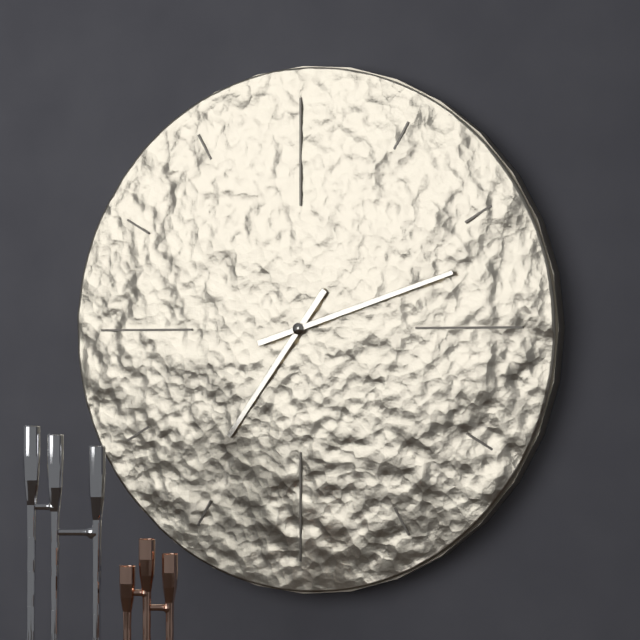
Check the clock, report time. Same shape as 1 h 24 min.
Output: 7 h 12 min
